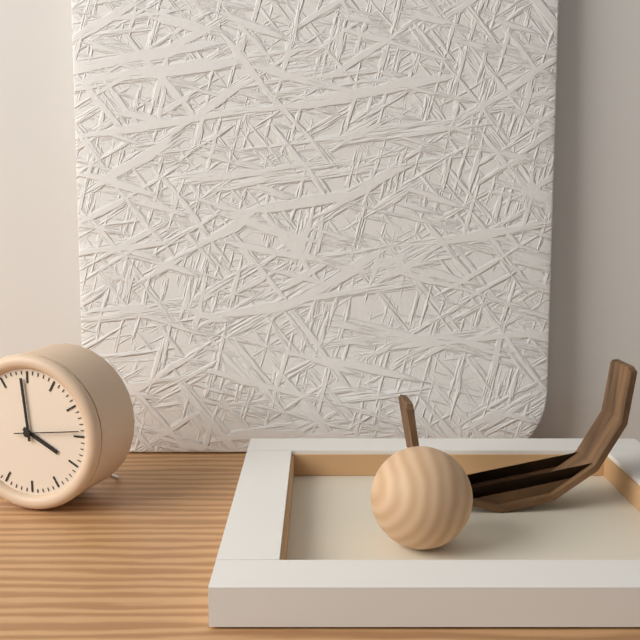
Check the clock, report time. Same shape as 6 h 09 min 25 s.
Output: 3 h 59 min 14 s
